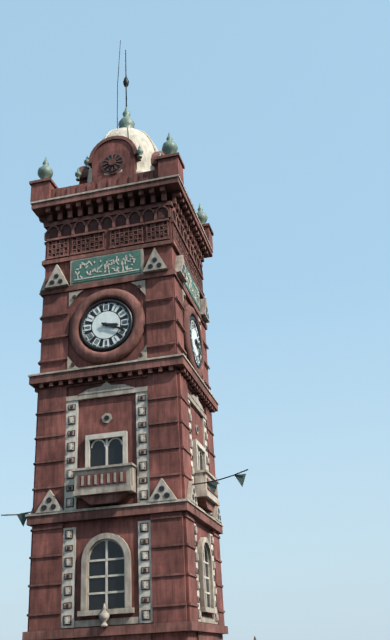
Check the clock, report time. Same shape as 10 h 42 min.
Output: 3 h 19 min
